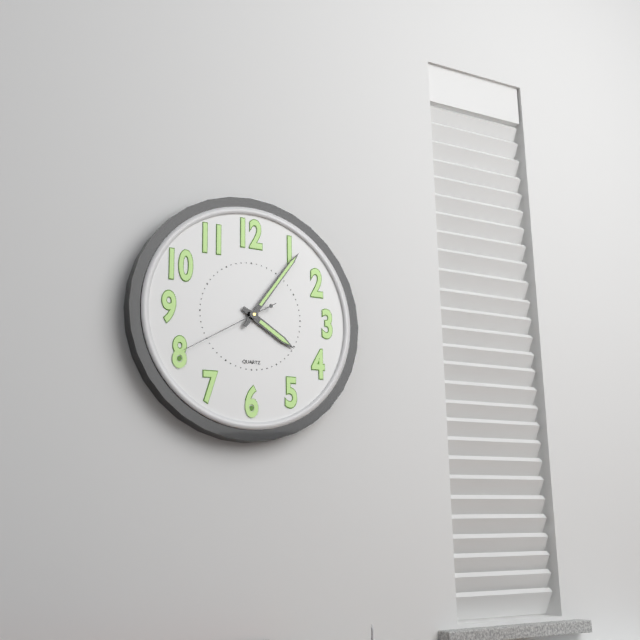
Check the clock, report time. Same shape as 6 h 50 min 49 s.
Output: 4 h 06 min 40 s
